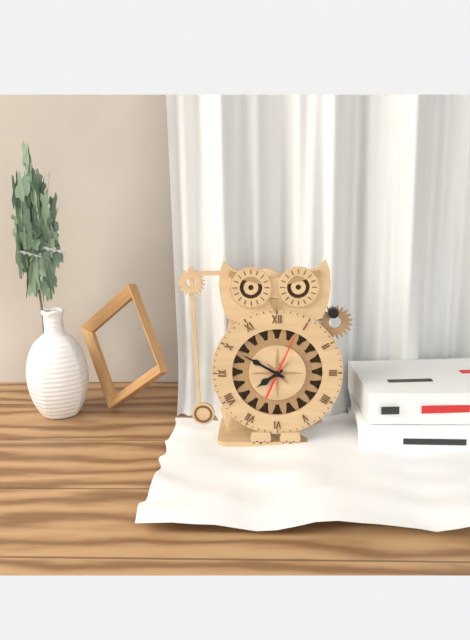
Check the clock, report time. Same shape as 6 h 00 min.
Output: 7 h 50 min
